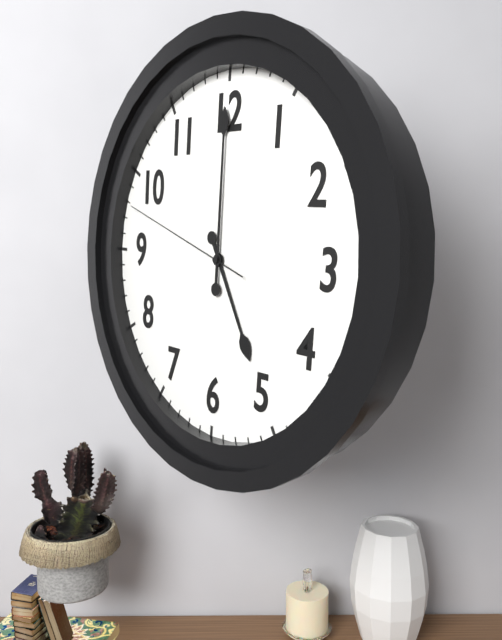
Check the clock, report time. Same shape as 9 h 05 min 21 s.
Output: 5 h 00 min 48 s
